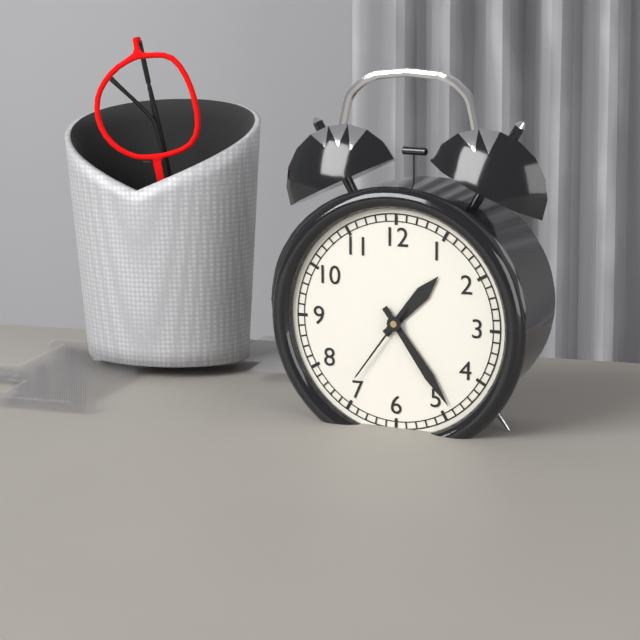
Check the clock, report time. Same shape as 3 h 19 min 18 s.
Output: 1 h 24 min 36 s
